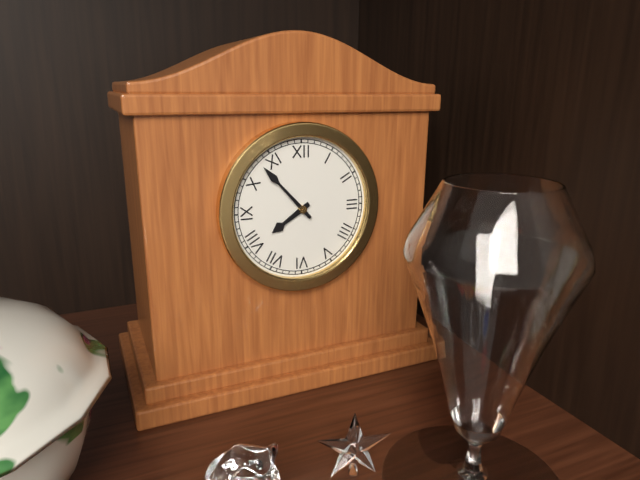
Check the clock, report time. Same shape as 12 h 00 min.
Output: 7 h 53 min
